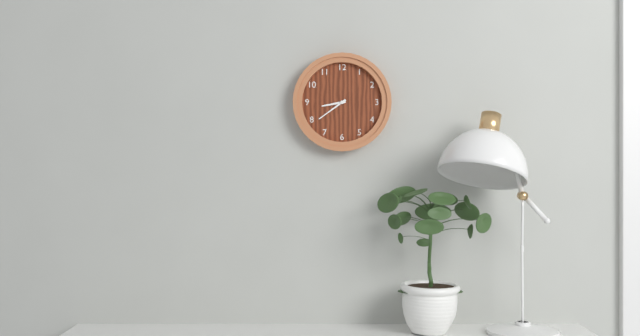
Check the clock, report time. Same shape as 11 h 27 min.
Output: 8 h 39 min
